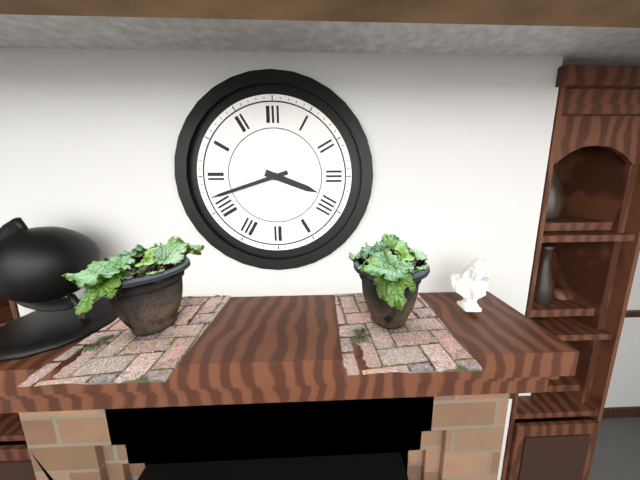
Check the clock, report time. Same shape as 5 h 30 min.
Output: 3 h 42 min
